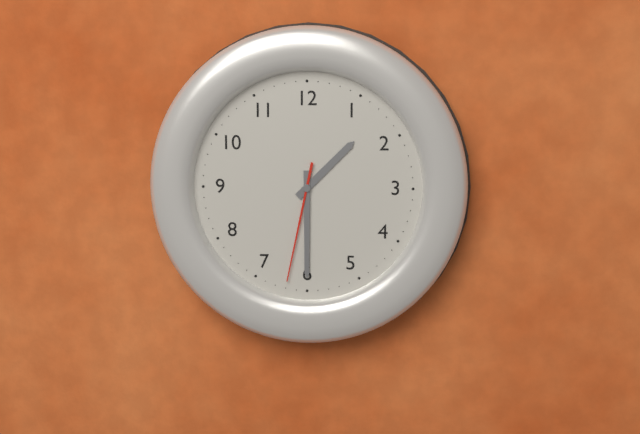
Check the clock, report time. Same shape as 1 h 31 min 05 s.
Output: 1 h 30 min 32 s
